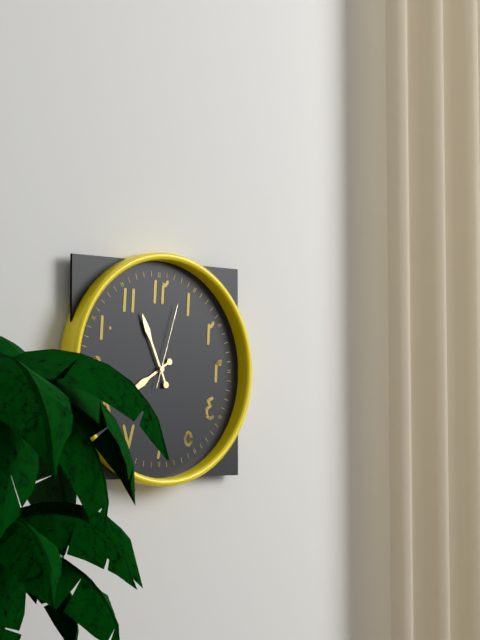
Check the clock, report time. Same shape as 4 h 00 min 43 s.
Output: 7 h 56 min 03 s
